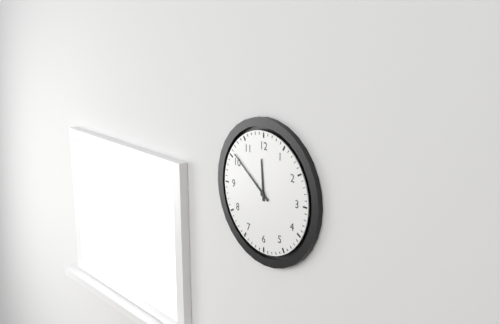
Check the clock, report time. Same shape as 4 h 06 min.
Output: 11 h 51 min
